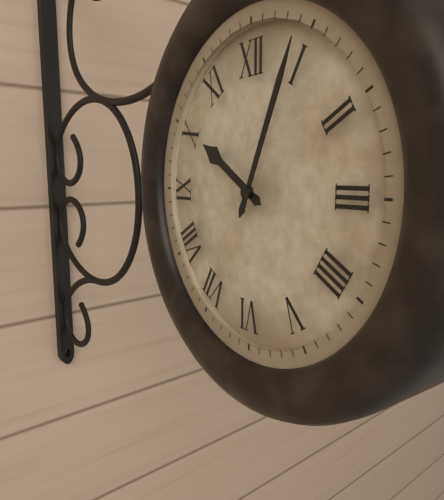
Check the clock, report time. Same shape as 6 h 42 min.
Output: 10 h 04 min
